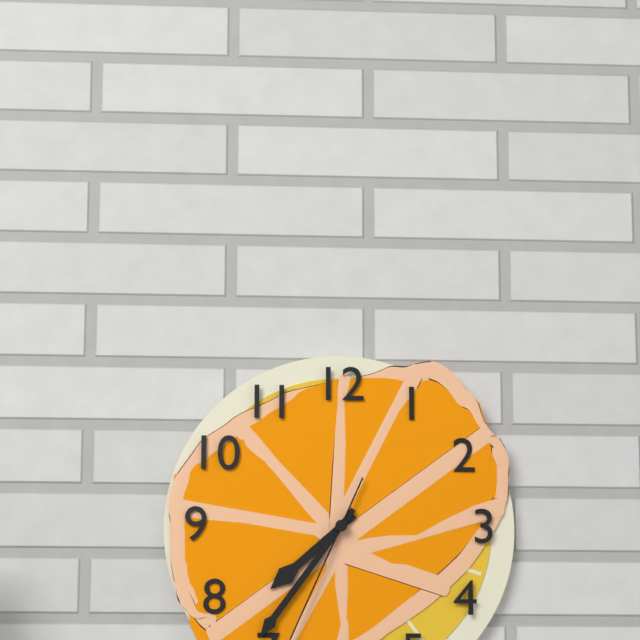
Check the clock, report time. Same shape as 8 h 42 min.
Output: 7 h 36 min
